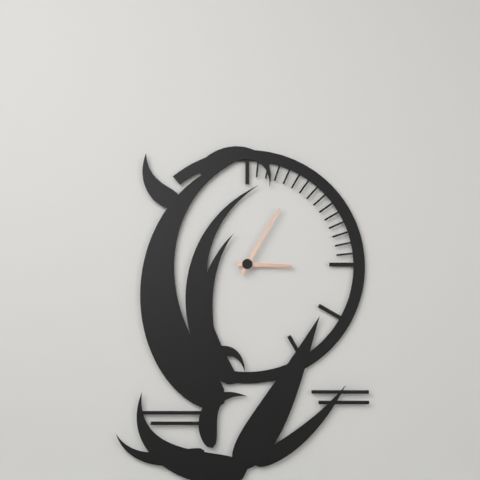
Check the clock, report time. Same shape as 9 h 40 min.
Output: 3 h 05 min
